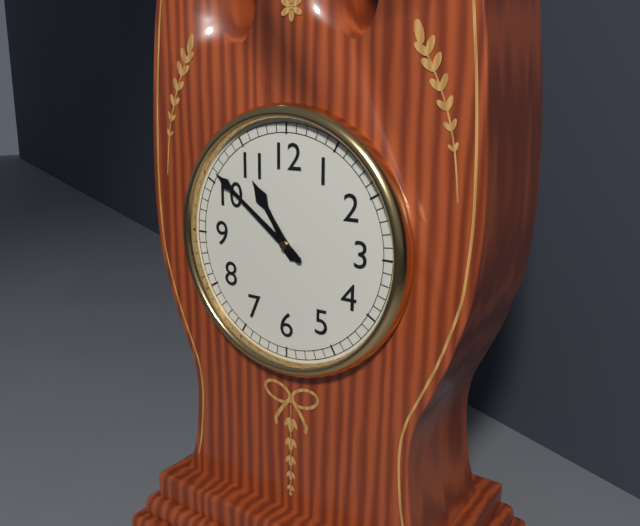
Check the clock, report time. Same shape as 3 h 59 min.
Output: 10 h 51 min
